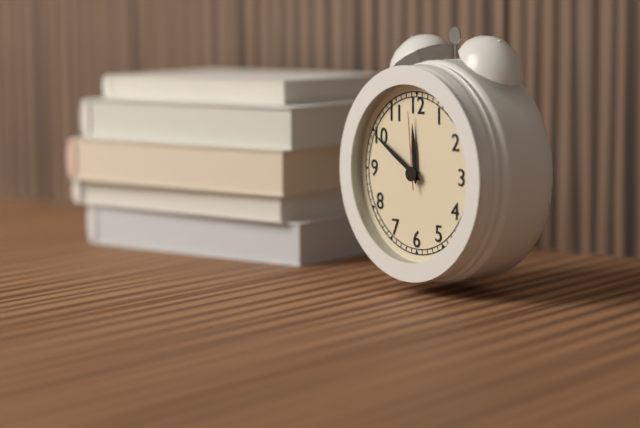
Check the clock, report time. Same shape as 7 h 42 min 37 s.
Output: 11 h 50 min 59 s
